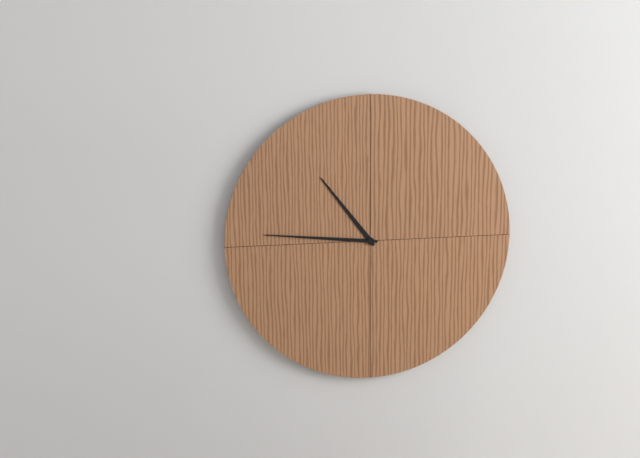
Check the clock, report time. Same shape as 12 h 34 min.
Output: 10 h 46 min
